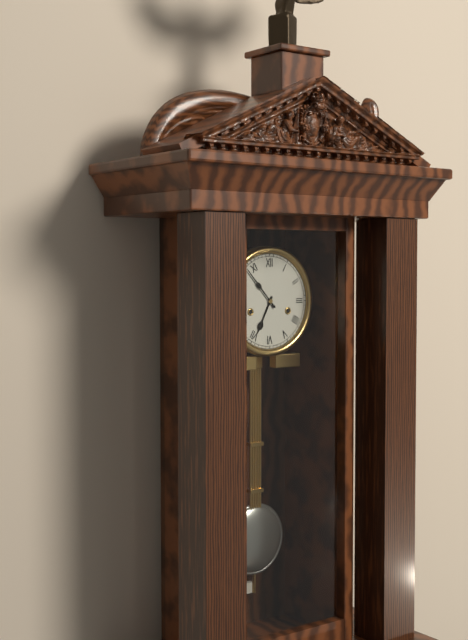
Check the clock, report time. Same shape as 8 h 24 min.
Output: 6 h 53 min
